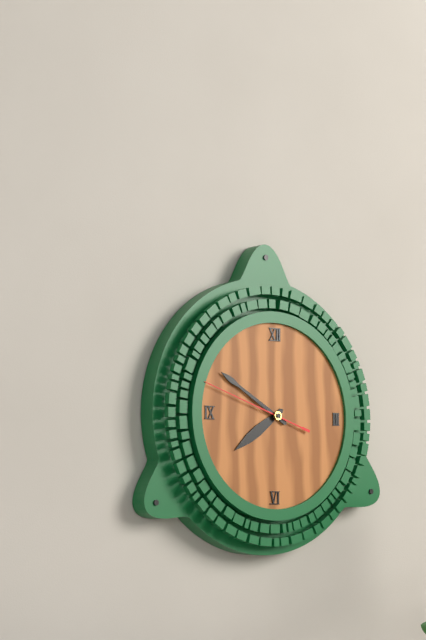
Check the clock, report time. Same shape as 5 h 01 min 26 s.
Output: 7 h 50 min 48 s
